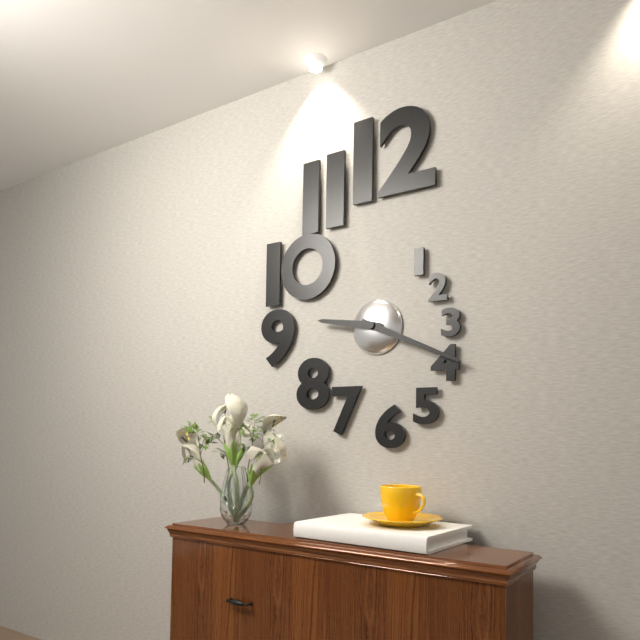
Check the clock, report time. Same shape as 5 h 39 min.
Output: 9 h 19 min
